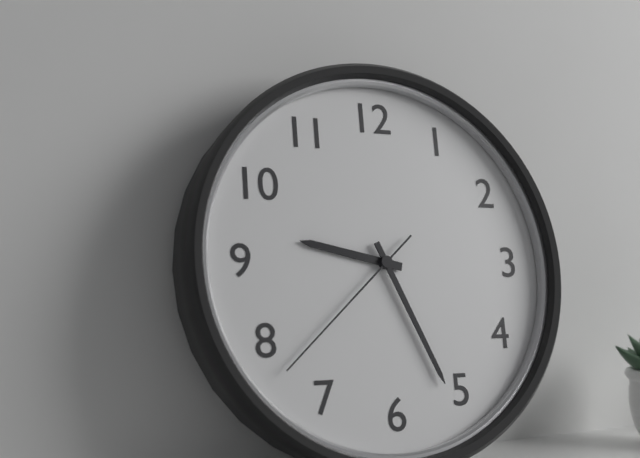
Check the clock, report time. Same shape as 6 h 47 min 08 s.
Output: 9 h 26 min 38 s
